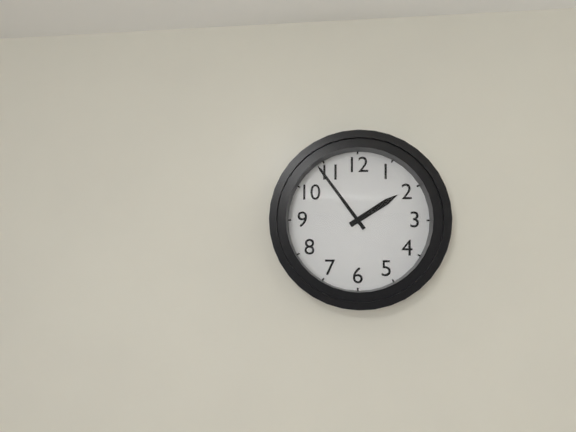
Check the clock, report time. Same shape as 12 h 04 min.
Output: 1 h 54 min
